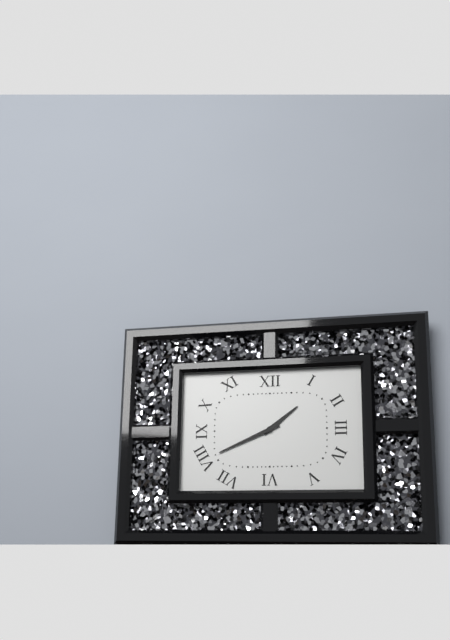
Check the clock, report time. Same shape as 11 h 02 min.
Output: 1 h 41 min
